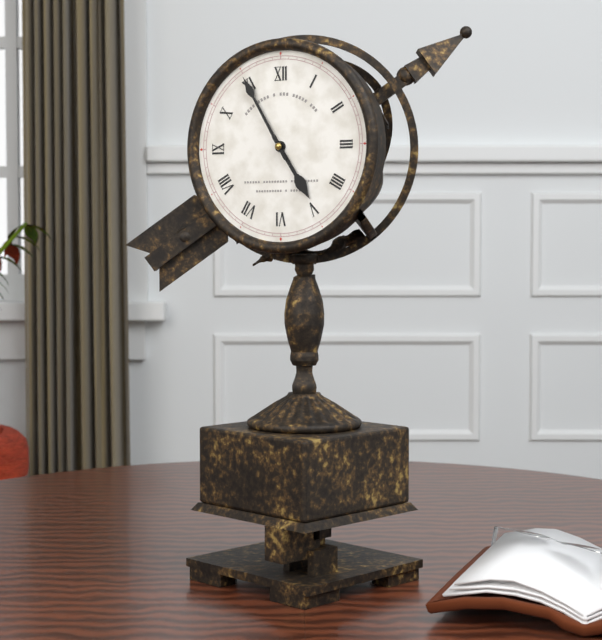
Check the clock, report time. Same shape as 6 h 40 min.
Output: 4 h 55 min
